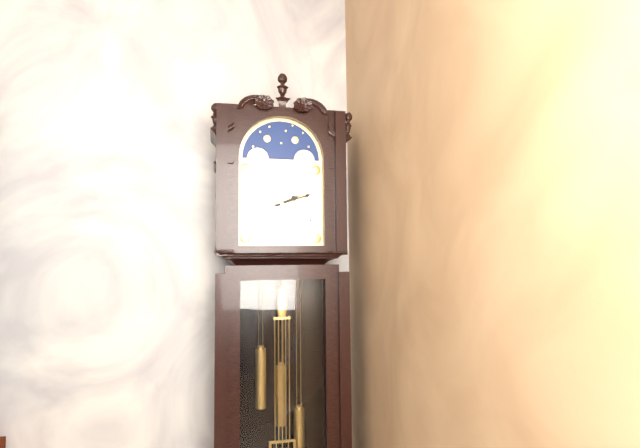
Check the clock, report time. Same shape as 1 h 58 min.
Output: 2 h 12 min
